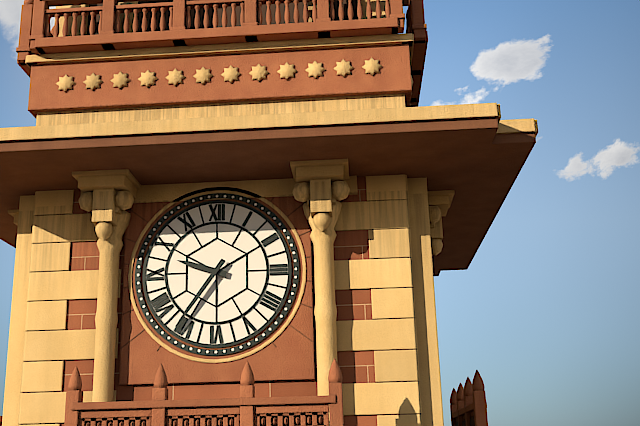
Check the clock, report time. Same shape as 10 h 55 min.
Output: 9 h 36 min
